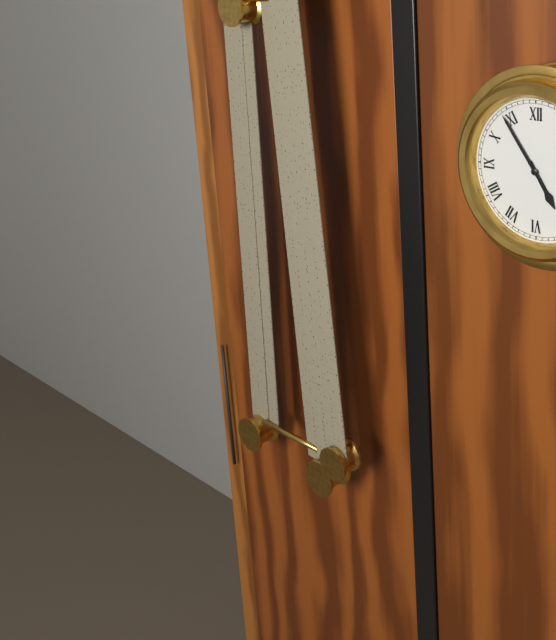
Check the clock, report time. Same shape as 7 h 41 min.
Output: 4 h 54 min
